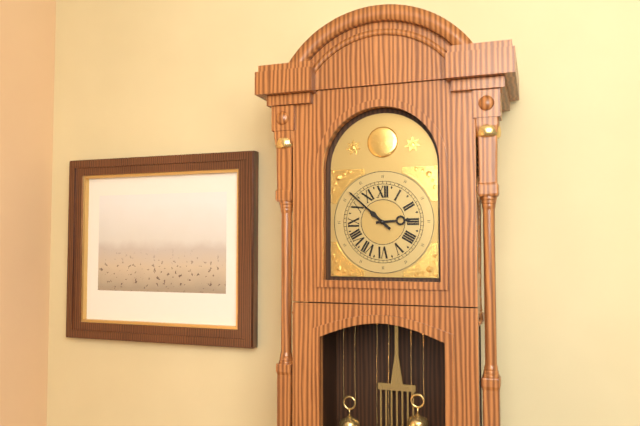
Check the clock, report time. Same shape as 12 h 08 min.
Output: 2 h 52 min
